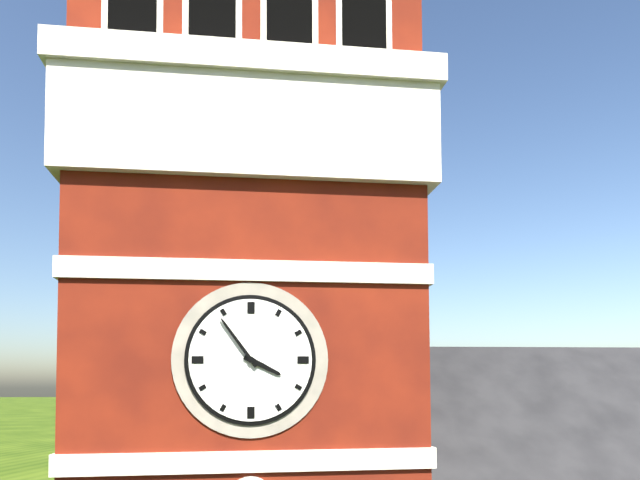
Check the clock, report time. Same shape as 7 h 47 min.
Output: 3 h 54 min
